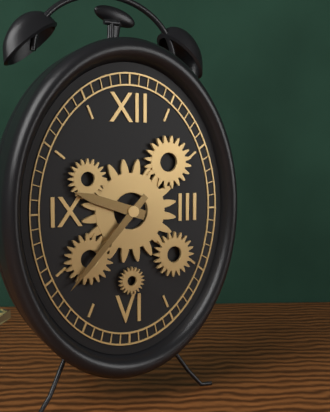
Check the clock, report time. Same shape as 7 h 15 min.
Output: 9 h 37 min
